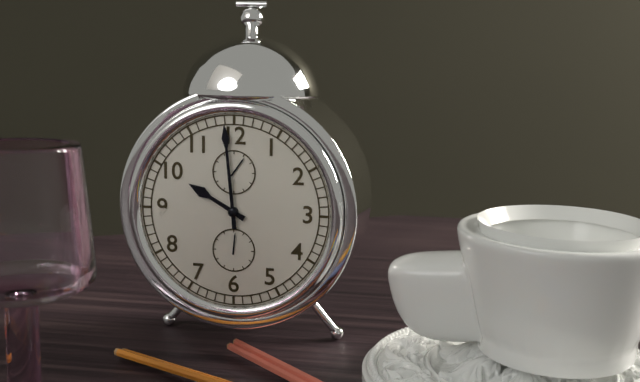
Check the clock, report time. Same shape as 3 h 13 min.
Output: 9 h 59 min
